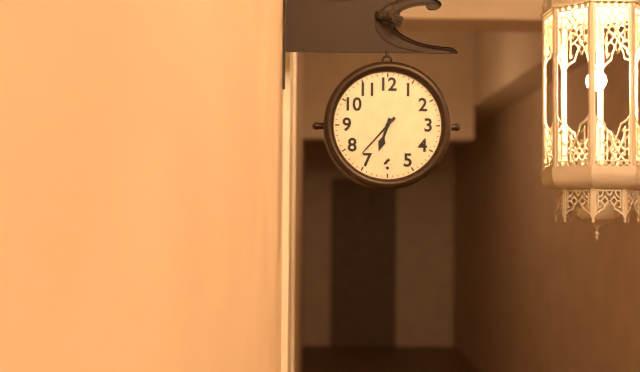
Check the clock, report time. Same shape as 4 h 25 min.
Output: 6 h 37 min
